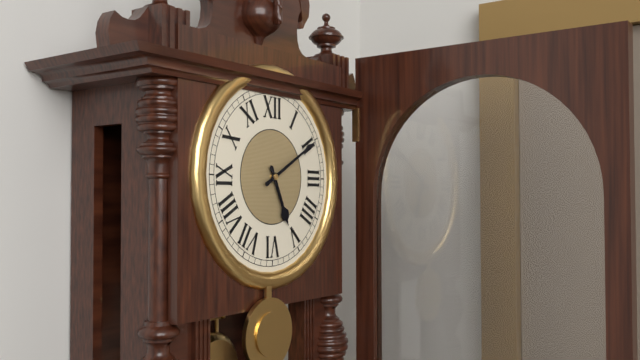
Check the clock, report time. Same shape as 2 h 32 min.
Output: 5 h 10 min
